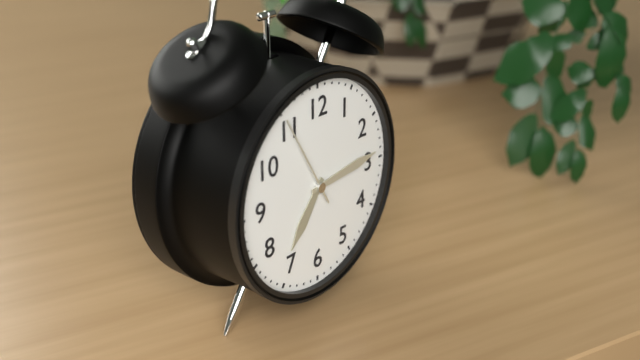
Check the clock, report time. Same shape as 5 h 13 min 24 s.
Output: 7 h 14 min 55 s
